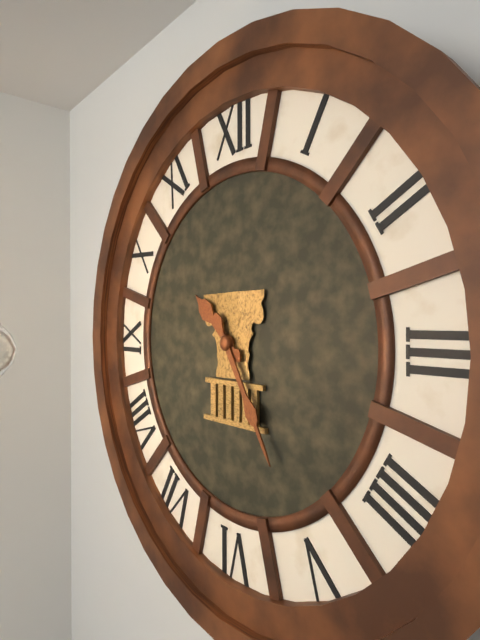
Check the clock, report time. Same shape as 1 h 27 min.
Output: 10 h 25 min
